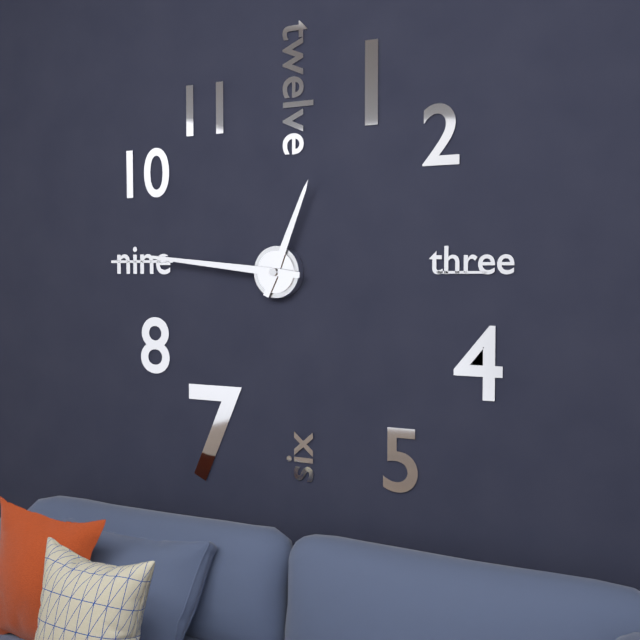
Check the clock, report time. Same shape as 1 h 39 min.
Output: 12 h 46 min
